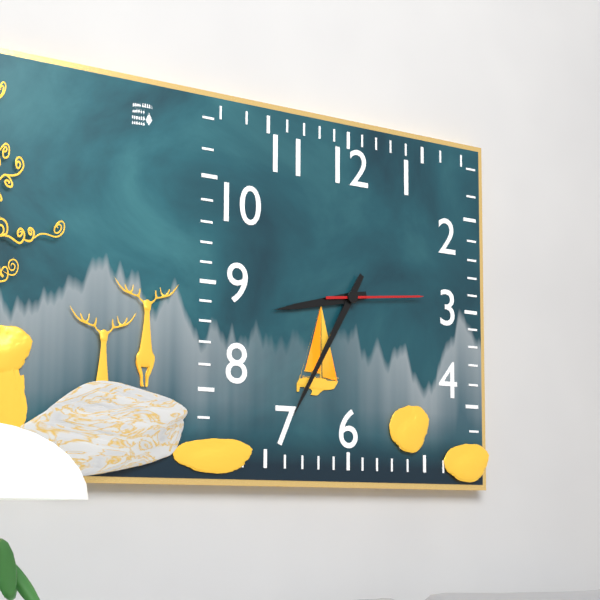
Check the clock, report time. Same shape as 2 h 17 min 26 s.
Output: 8 h 35 min 14 s
